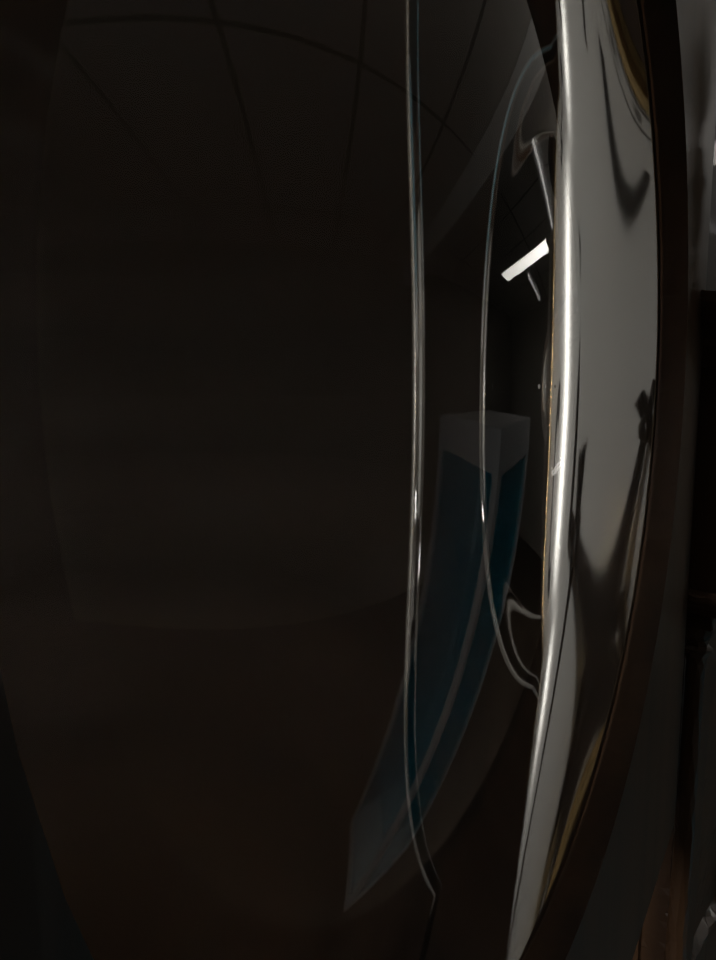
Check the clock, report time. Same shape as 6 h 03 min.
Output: 4 h 35 min
